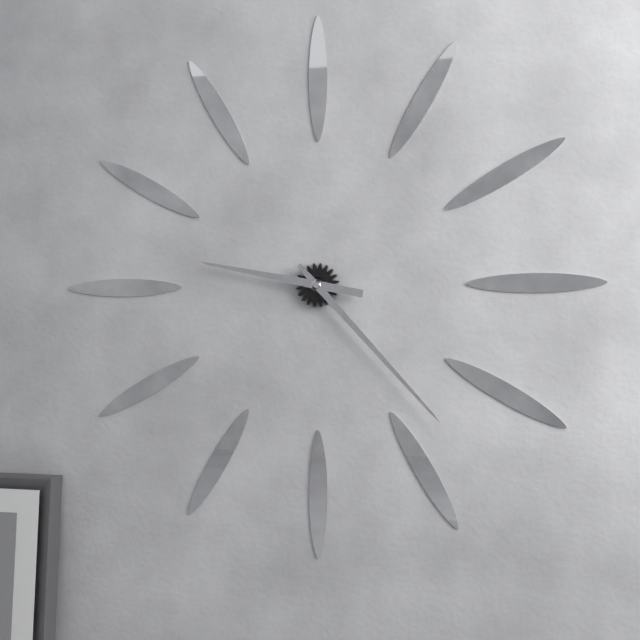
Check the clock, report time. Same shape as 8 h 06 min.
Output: 9 h 23 min
